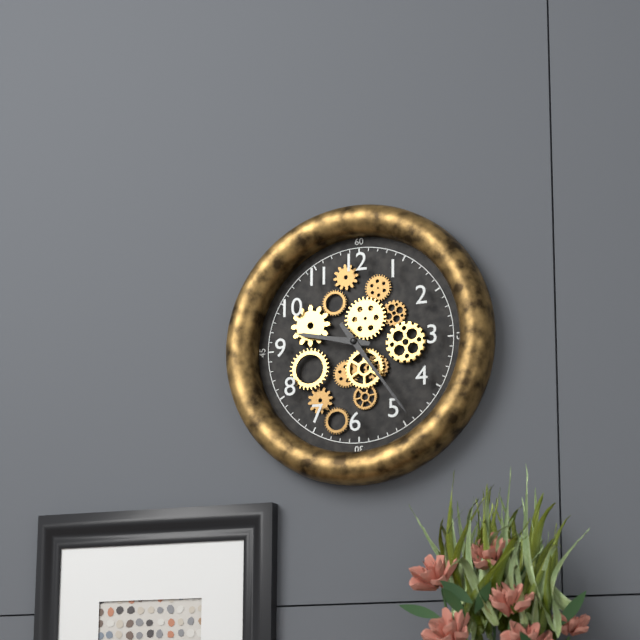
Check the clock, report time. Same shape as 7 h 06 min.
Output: 9 h 24 min
